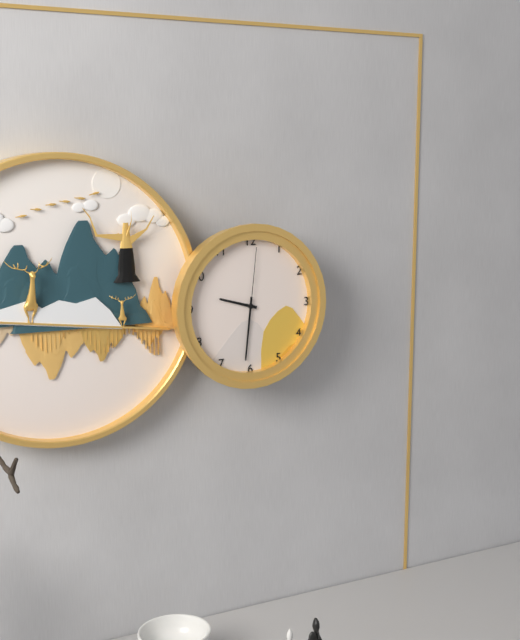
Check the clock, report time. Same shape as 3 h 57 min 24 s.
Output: 9 h 31 min 01 s
